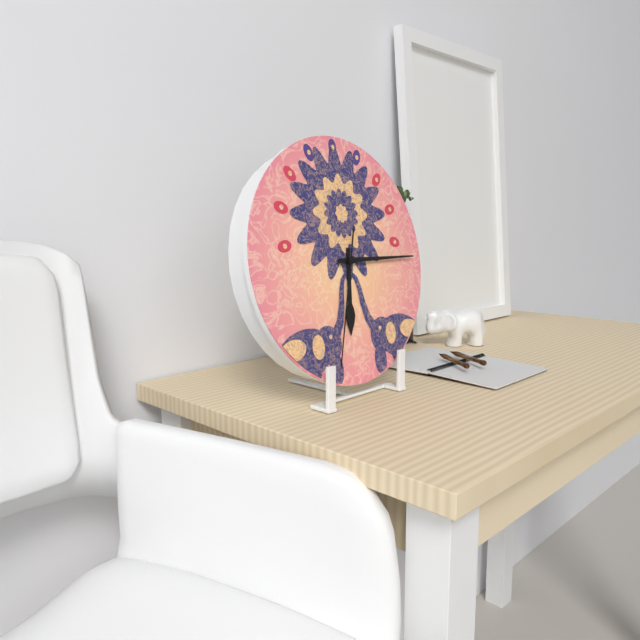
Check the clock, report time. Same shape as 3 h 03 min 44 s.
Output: 6 h 15 min 33 s
